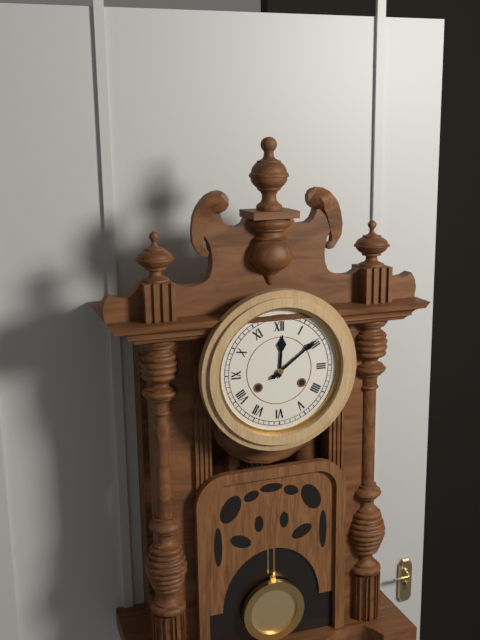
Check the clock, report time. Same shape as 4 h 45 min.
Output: 12 h 09 min
